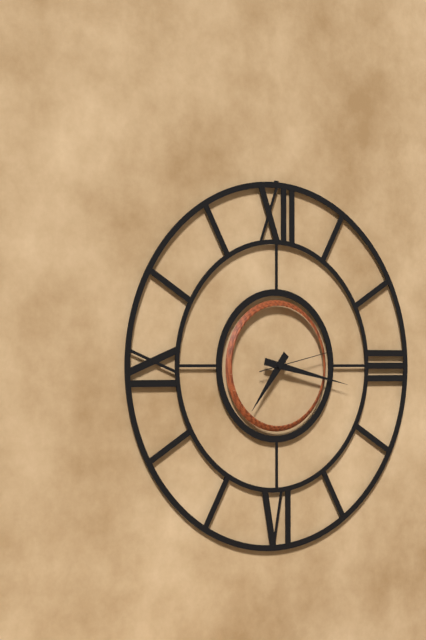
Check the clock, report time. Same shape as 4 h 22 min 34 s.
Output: 7 h 17 min 13 s
